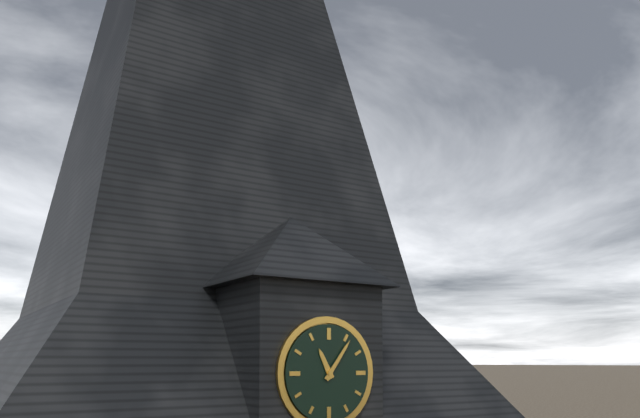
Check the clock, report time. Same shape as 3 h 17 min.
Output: 11 h 06 min
